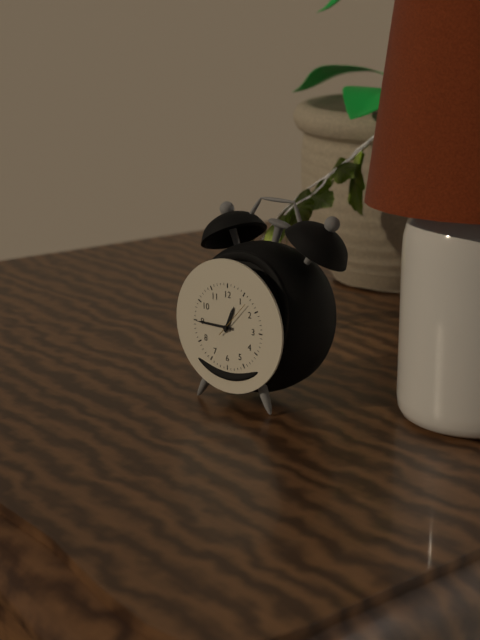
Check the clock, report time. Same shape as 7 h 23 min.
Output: 12 h 45 min
